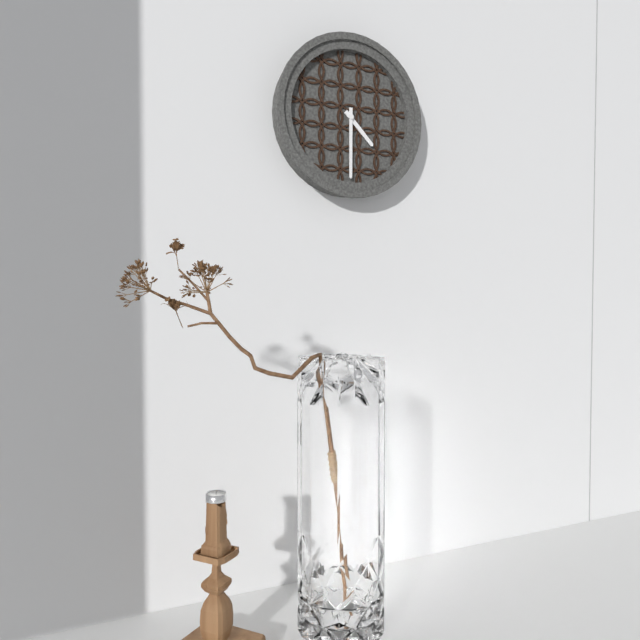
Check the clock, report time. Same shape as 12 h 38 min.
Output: 4 h 30 min
